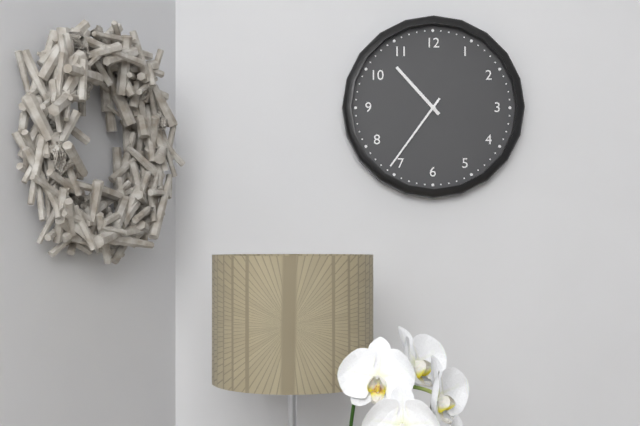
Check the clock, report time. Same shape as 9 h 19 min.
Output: 10 h 36 min
